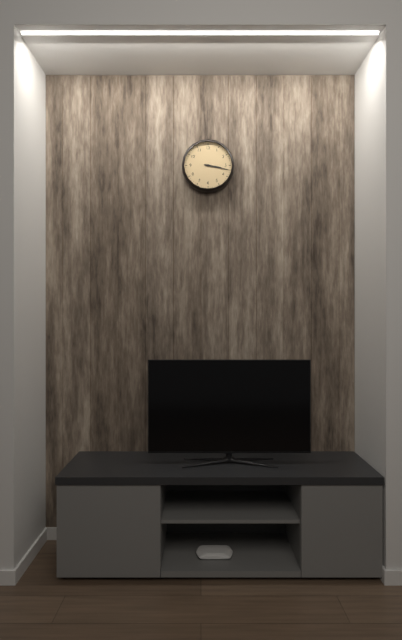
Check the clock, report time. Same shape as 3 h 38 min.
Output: 3 h 17 min
